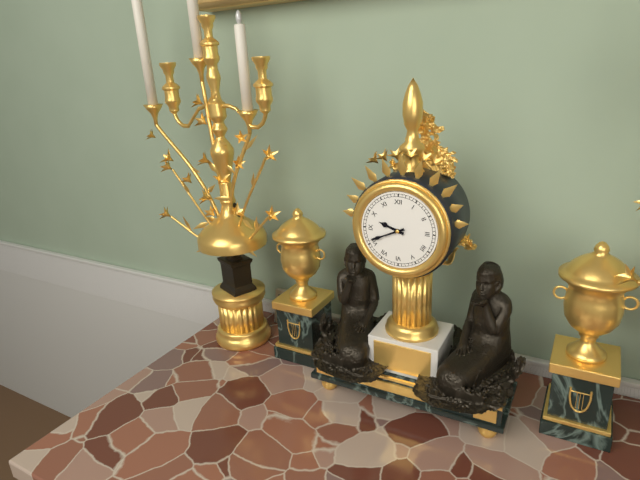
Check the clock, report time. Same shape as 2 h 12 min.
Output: 9 h 41 min
